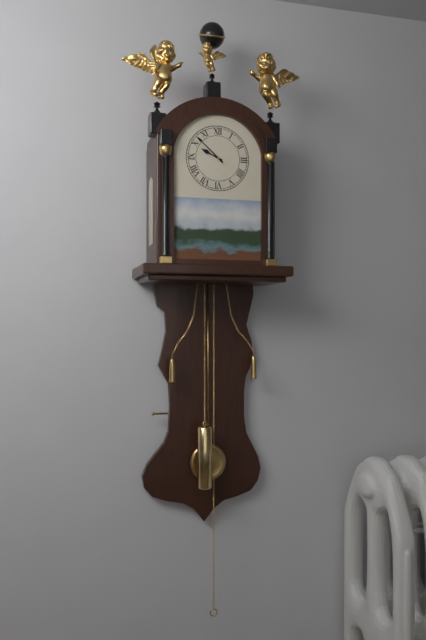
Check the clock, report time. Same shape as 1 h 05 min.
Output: 9 h 52 min
